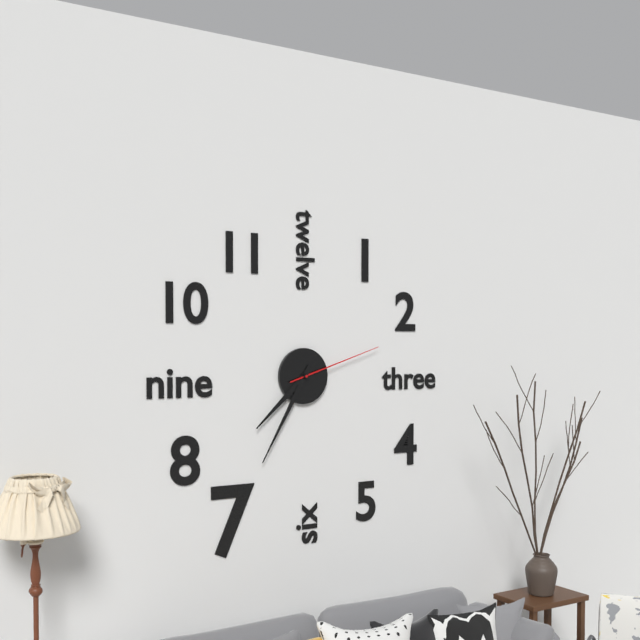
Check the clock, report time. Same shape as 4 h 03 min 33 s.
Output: 7 h 35 min 12 s
